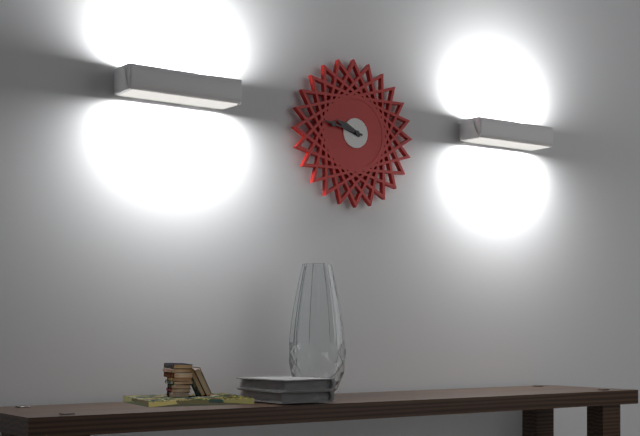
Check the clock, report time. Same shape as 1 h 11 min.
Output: 9 h 47 min
